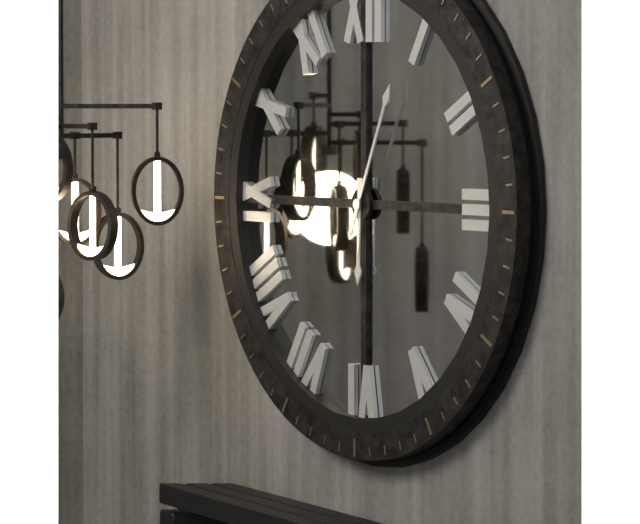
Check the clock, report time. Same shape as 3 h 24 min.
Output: 6 h 04 min
